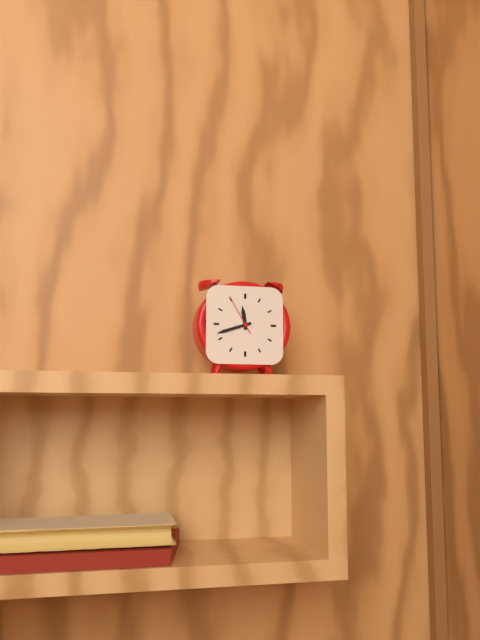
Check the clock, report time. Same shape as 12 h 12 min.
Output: 11 h 42 min
